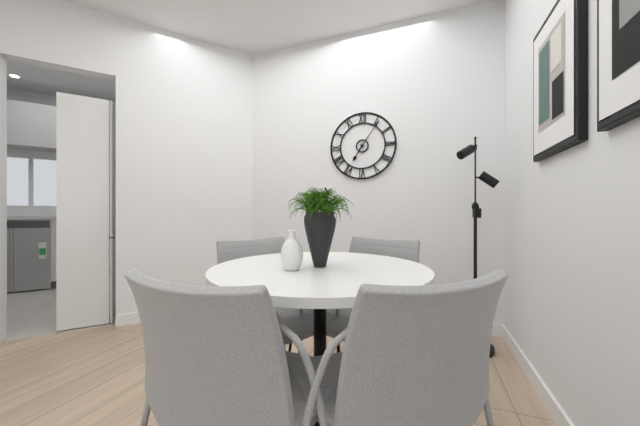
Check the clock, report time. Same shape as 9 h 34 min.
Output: 7 h 06 min
